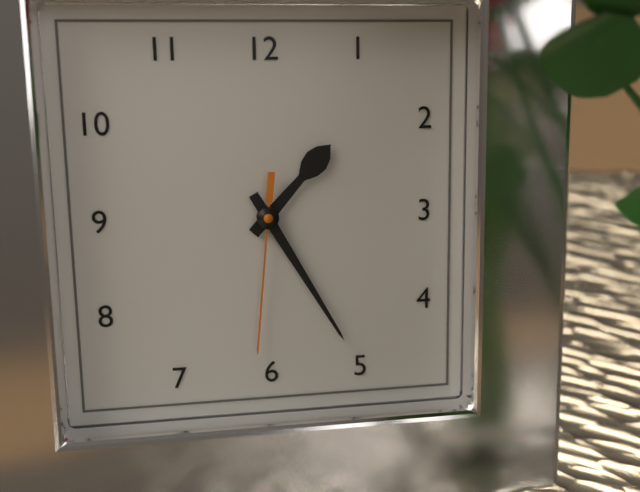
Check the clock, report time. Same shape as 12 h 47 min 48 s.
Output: 1 h 25 min 31 s
